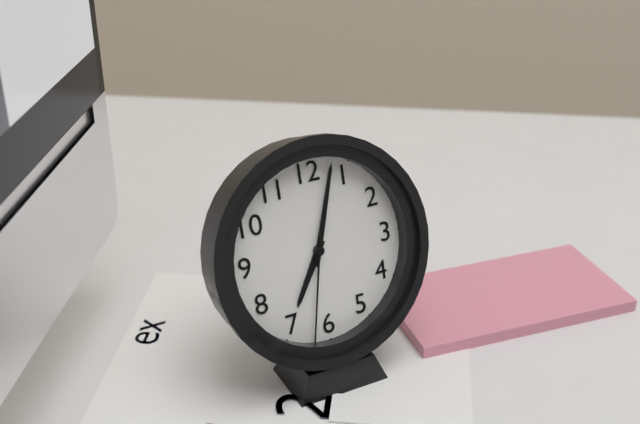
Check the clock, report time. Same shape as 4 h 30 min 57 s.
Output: 7 h 03 min 32 s
